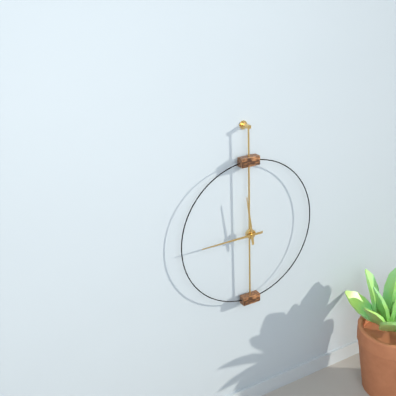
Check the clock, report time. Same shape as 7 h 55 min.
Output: 11 h 45 min
